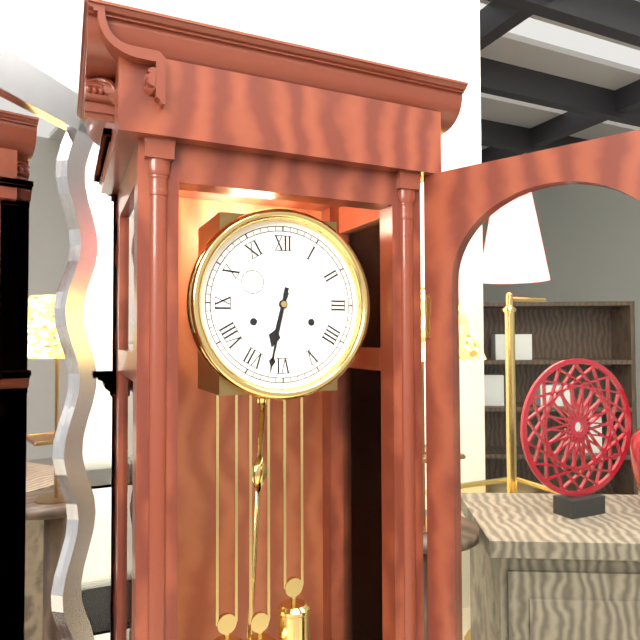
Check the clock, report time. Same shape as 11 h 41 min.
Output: 6 h 32 min
